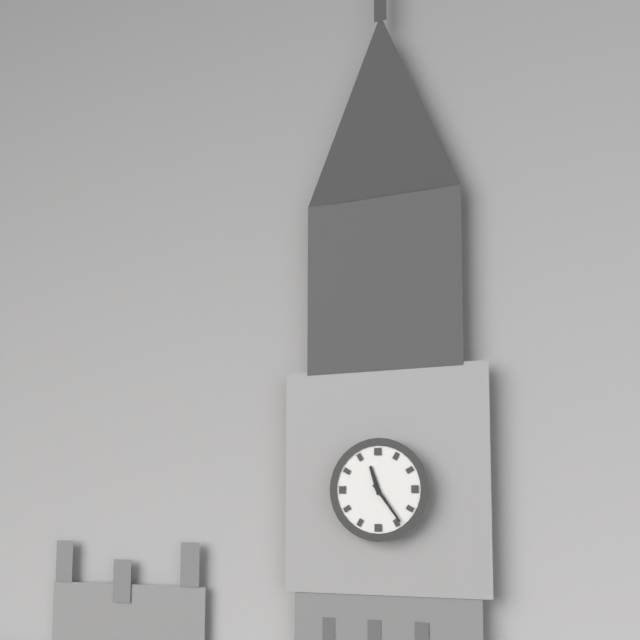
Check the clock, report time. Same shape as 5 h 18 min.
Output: 11 h 24 min
